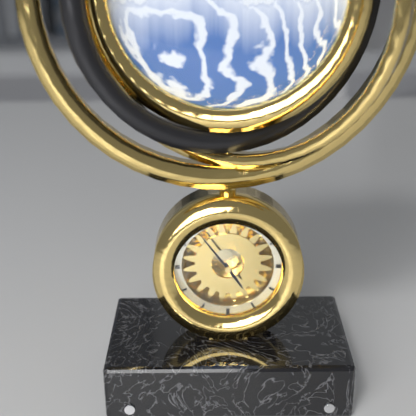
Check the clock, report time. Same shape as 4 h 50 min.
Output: 4 h 54 min
